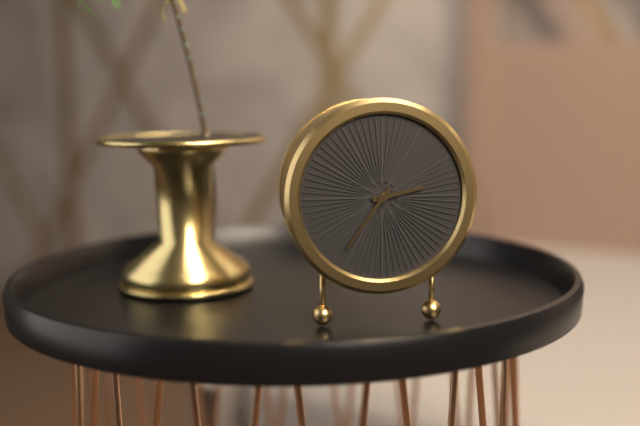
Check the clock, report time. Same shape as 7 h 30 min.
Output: 2 h 36 min
